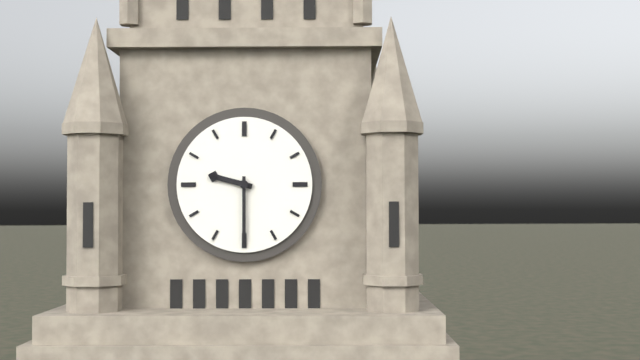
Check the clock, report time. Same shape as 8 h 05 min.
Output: 9 h 30 min
